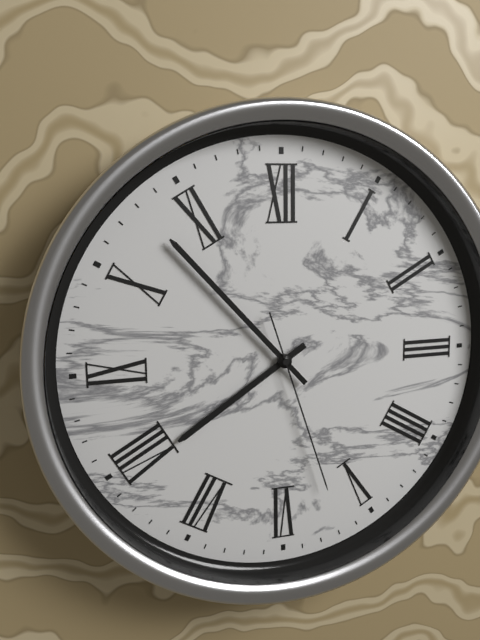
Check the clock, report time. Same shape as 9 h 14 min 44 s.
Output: 7 h 53 min 27 s
